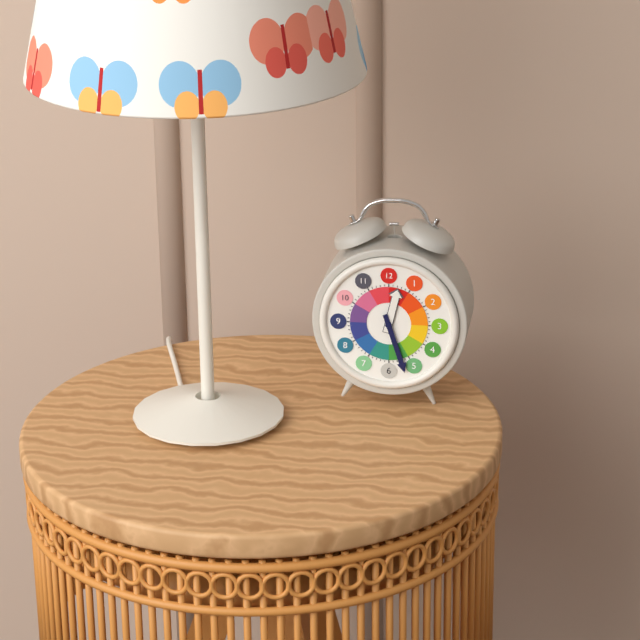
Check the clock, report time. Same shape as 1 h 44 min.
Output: 12 h 27 min
